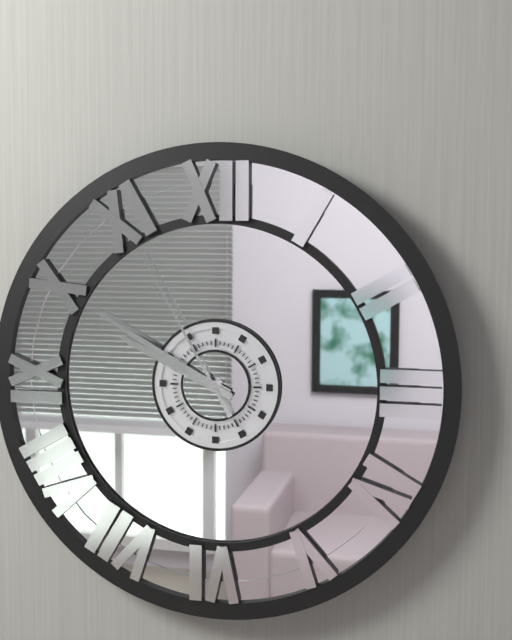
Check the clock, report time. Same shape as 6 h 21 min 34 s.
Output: 9 h 50 min 55 s
